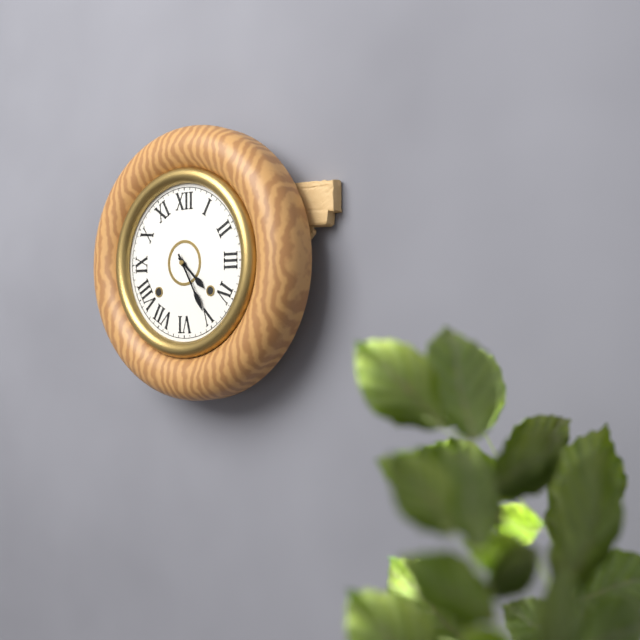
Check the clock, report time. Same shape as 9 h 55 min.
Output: 4 h 25 min
